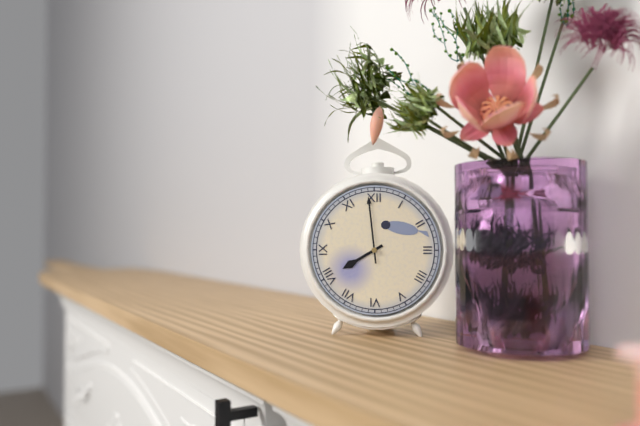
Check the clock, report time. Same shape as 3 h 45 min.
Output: 7 h 59 min
